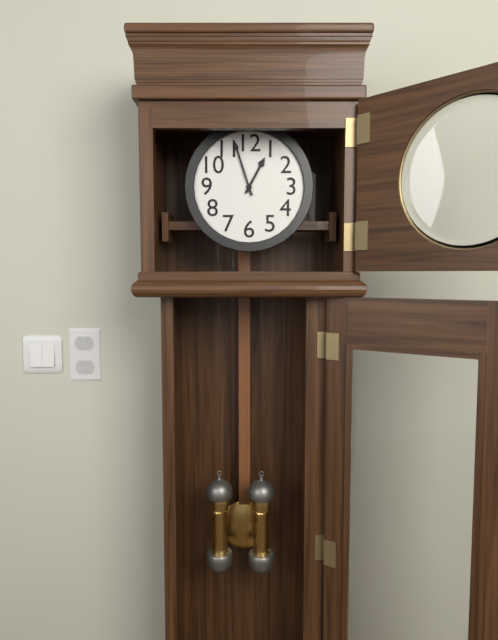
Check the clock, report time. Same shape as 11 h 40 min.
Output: 12 h 57 min
